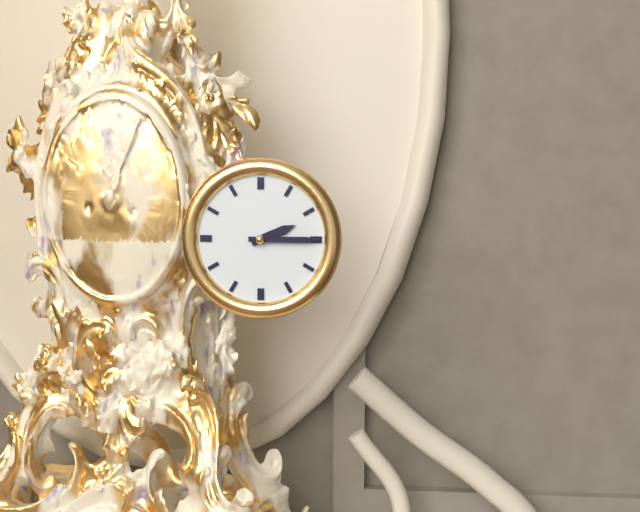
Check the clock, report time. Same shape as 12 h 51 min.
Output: 2 h 15 min
